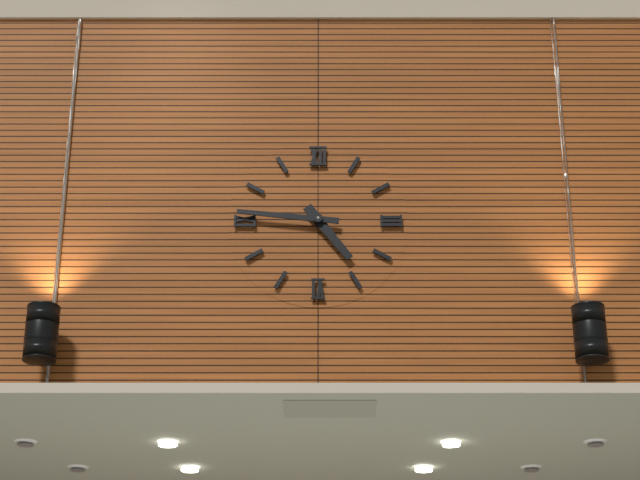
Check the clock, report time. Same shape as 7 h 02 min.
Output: 4 h 46 min
